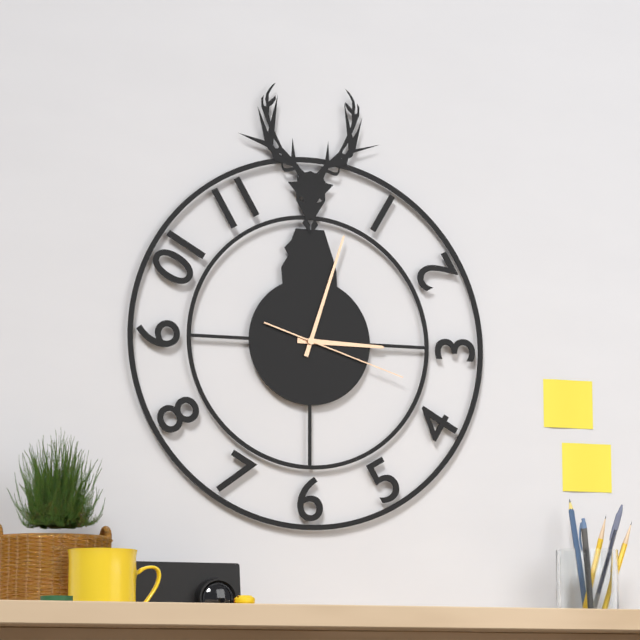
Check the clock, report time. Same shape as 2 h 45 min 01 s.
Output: 3 h 03 min 18 s
